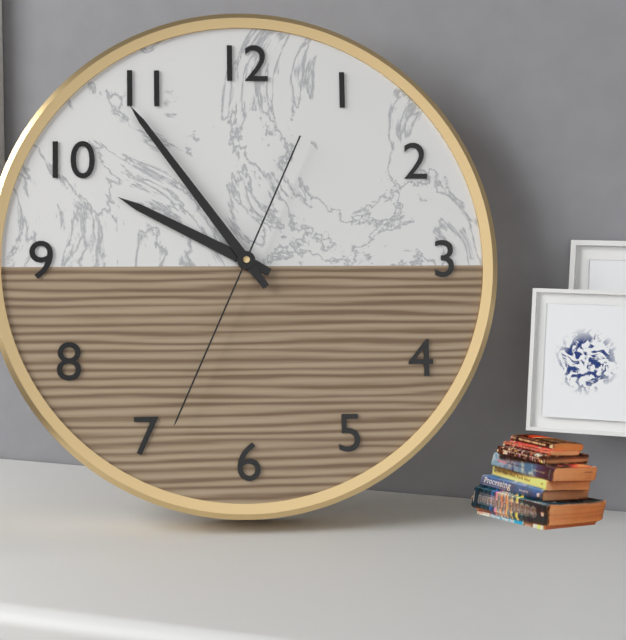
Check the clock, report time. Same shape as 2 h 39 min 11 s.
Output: 9 h 54 min 34 s
